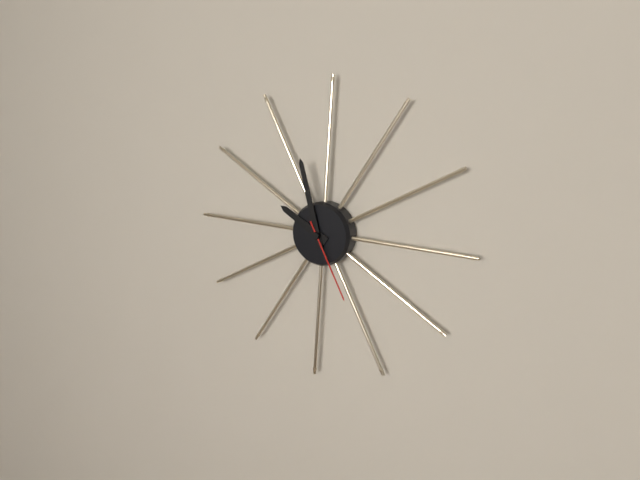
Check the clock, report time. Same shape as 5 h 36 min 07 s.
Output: 9 h 57 min 25 s
